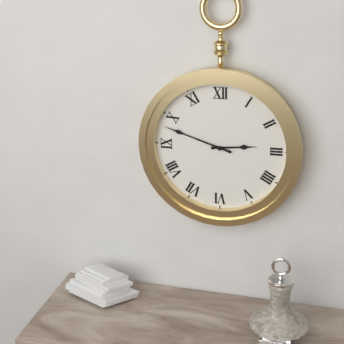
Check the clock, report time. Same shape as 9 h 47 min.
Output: 2 h 48 min
